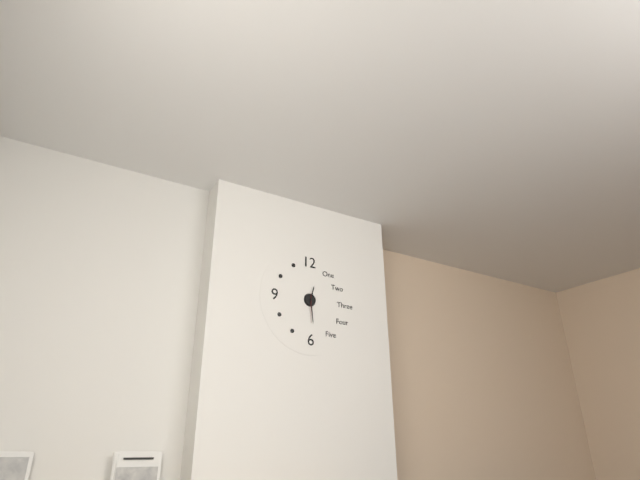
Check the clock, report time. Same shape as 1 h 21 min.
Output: 12 h 29 min
